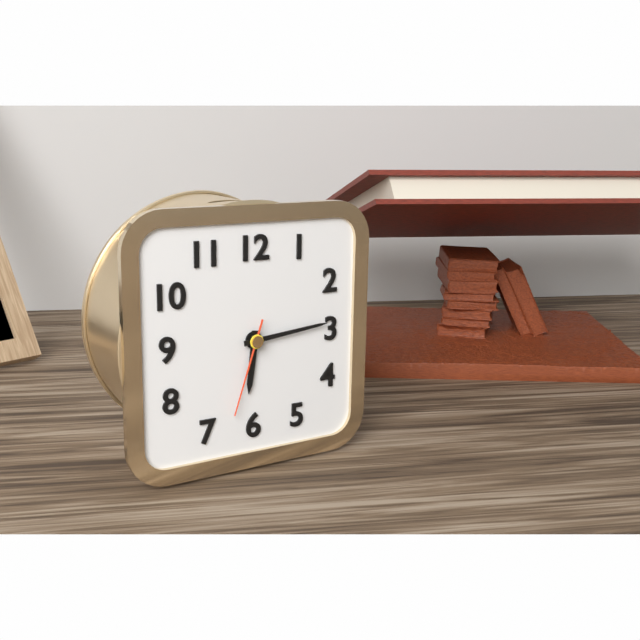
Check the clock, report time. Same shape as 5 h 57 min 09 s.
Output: 6 h 14 min 33 s
